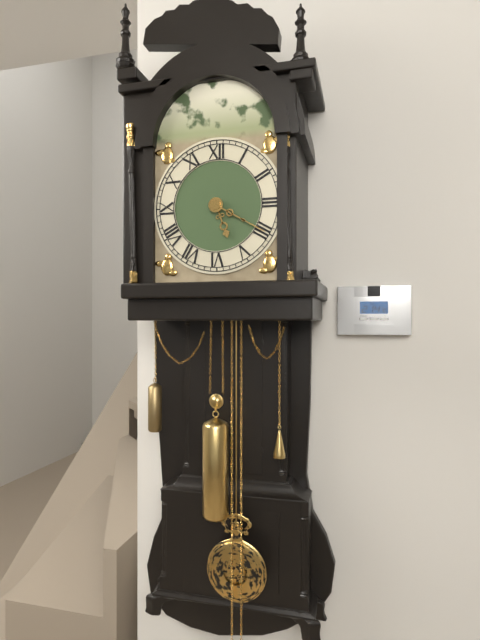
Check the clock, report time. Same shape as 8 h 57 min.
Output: 5 h 20 min
